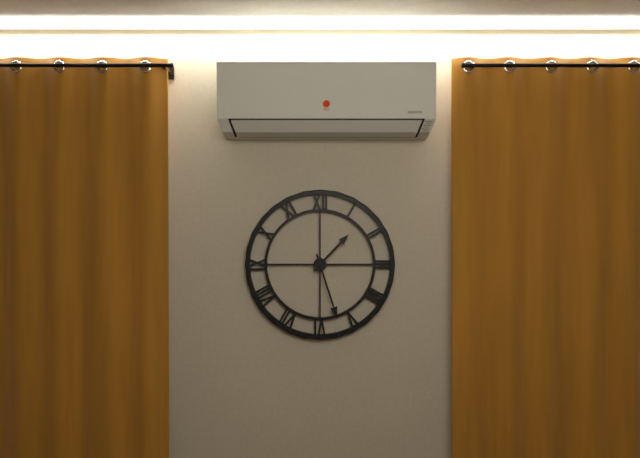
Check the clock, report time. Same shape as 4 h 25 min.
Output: 1 h 27 min
